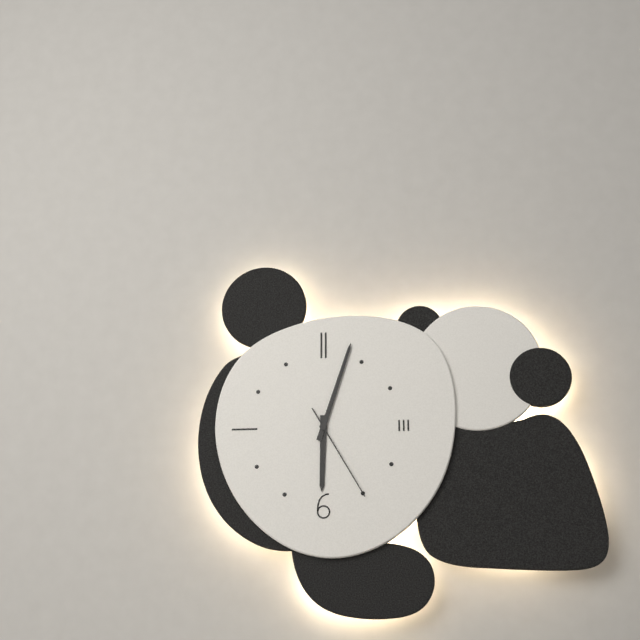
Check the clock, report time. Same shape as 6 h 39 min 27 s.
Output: 6 h 03 min 25 s
